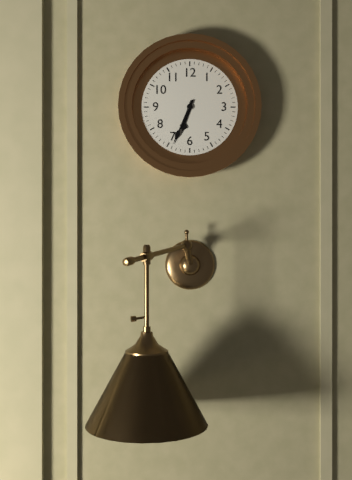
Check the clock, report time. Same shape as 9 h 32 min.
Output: 6 h 34 min
